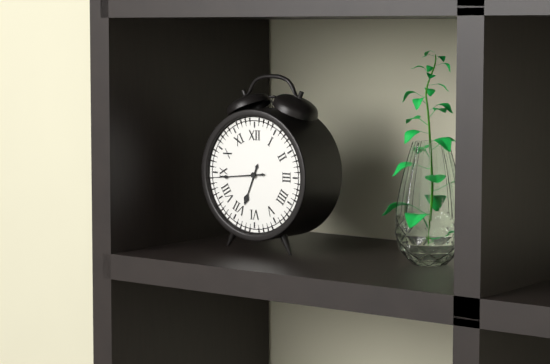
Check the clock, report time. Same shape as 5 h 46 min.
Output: 6 h 44 min
